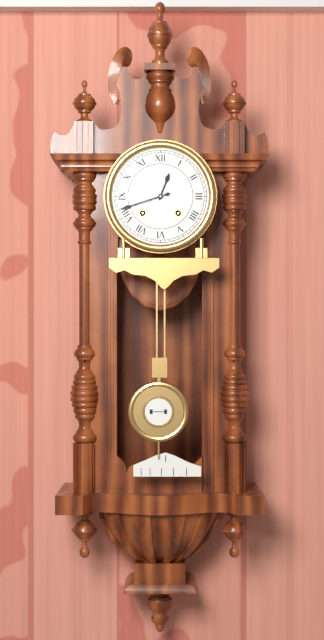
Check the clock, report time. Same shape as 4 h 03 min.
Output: 12 h 42 min
